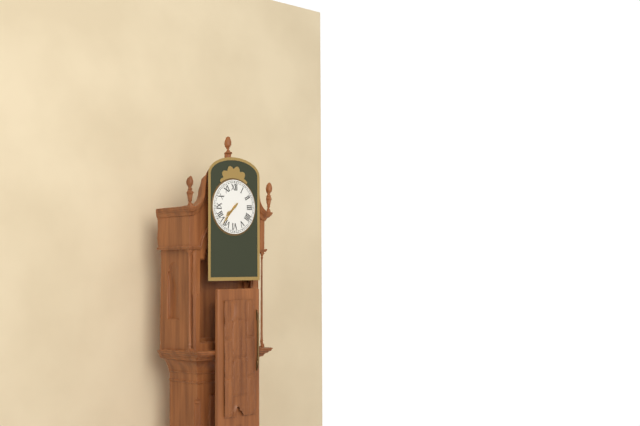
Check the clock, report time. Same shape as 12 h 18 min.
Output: 7 h 37 min
